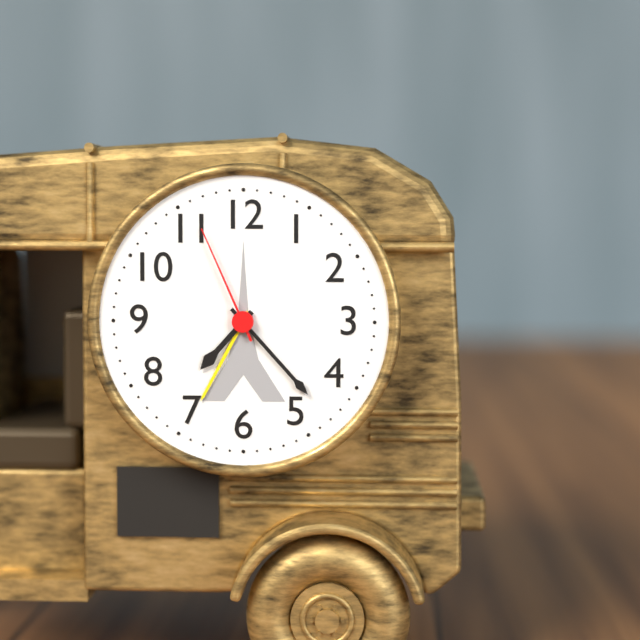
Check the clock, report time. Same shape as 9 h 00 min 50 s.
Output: 7 h 23 min 56 s
